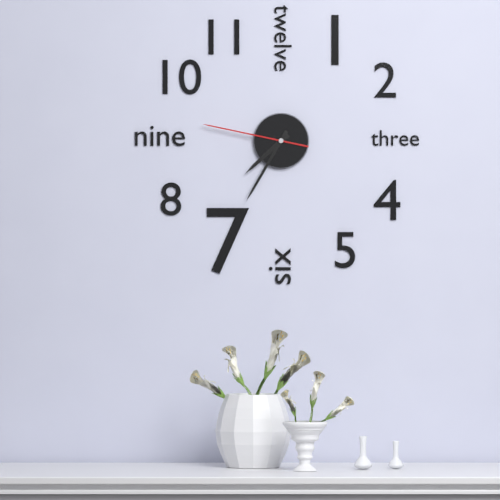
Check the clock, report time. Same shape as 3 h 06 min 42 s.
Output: 7 h 35 min 47 s
